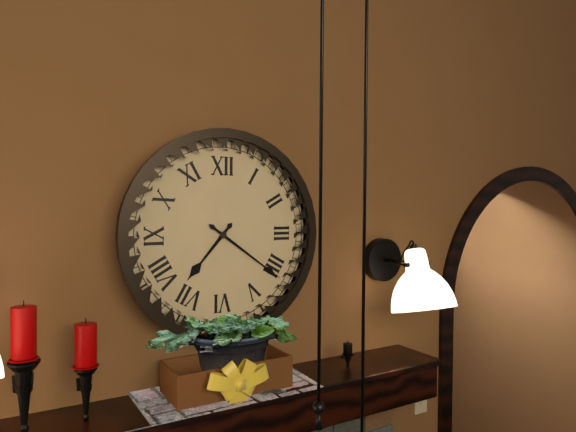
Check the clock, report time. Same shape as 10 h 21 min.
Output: 7 h 21 min
